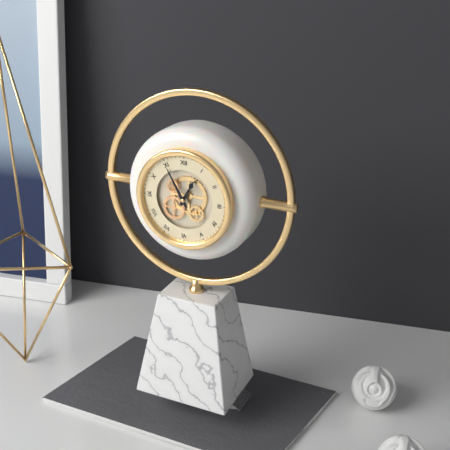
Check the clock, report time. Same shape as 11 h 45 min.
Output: 12 h 55 min
